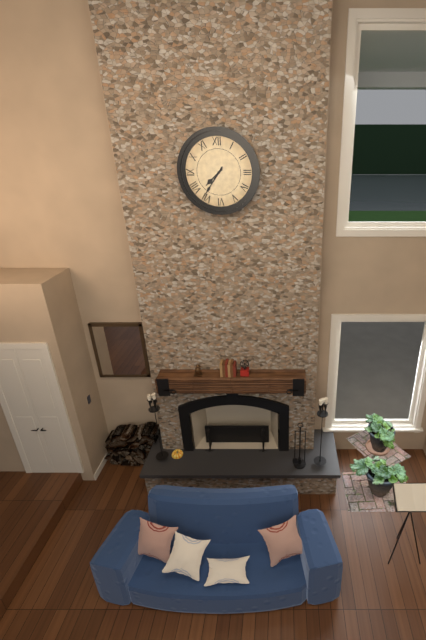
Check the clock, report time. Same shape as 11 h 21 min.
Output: 7 h 36 min
